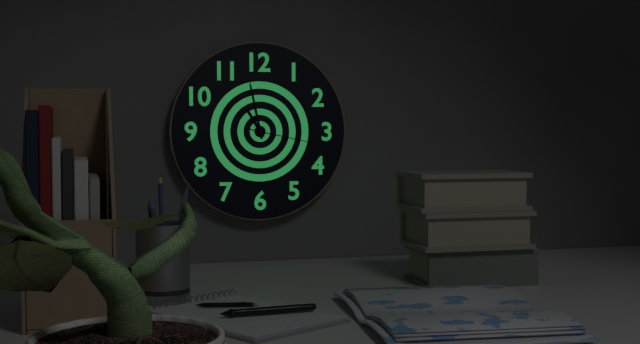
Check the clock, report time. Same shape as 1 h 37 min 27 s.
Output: 10 h 58 min 17 s
